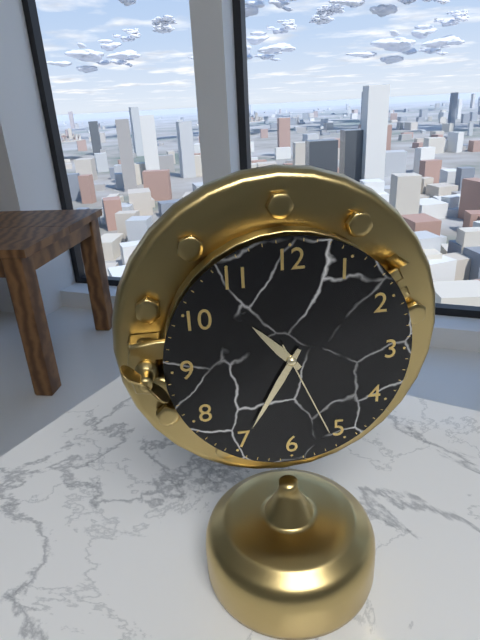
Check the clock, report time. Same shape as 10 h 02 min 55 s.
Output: 10 h 35 min 26 s
